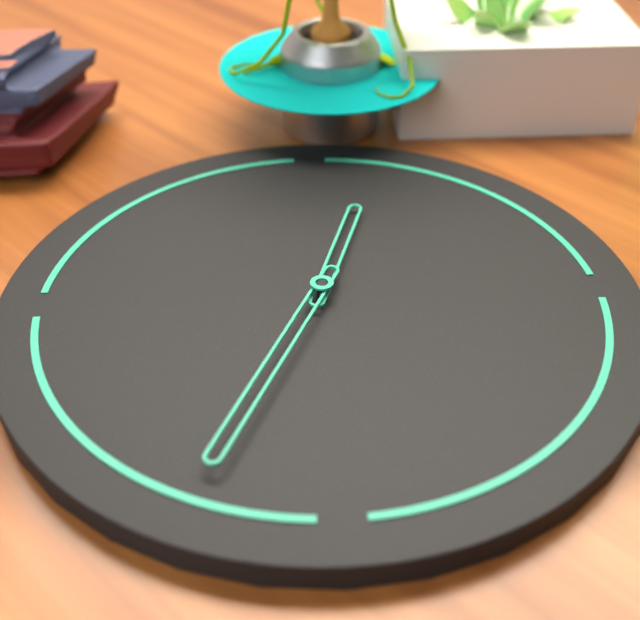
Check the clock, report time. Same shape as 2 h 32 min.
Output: 12 h 34 min
